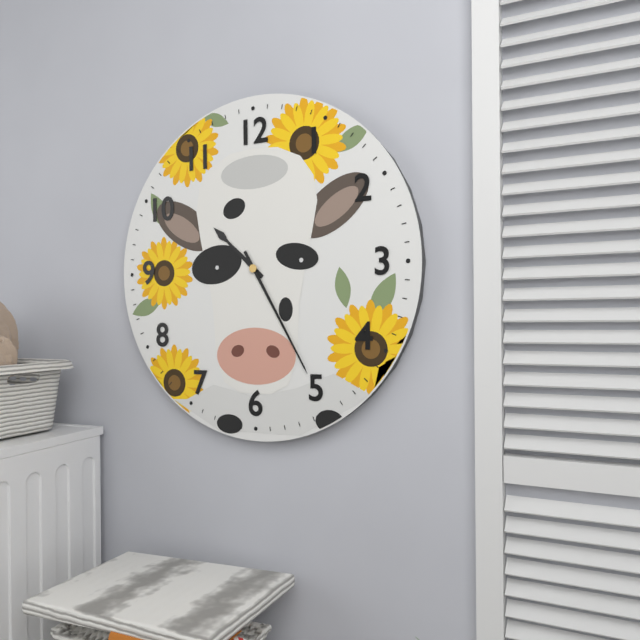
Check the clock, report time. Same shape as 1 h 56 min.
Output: 10 h 25 min
